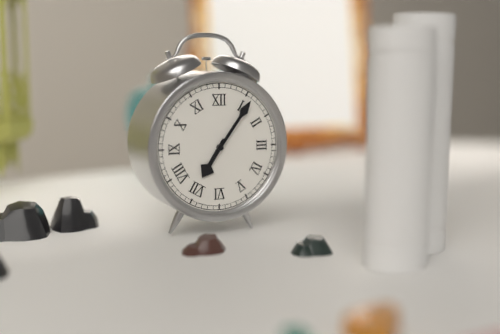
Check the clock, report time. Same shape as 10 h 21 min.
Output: 7 h 06 min
